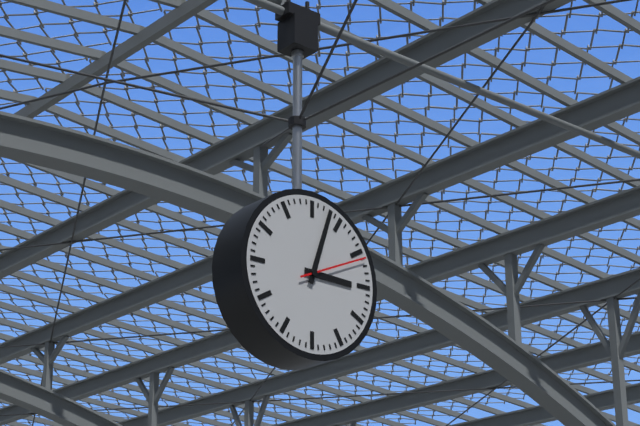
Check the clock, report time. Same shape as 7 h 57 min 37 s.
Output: 3 h 03 min 11 s
